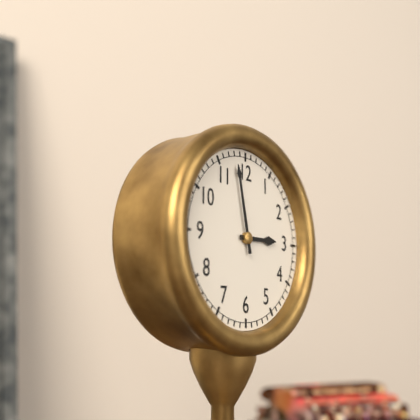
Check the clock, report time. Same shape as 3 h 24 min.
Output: 2 h 58 min
